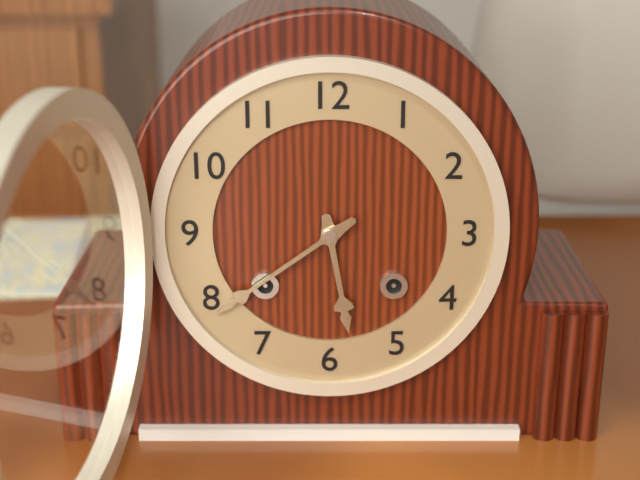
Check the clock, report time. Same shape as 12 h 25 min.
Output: 5 h 39 min
